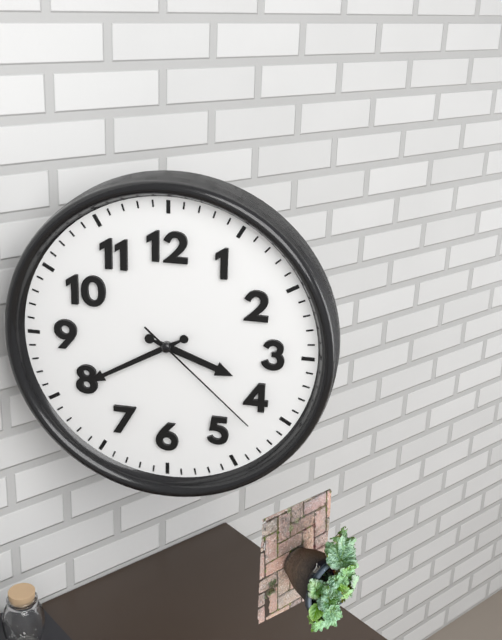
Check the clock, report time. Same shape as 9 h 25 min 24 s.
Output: 3 h 40 min 22 s
